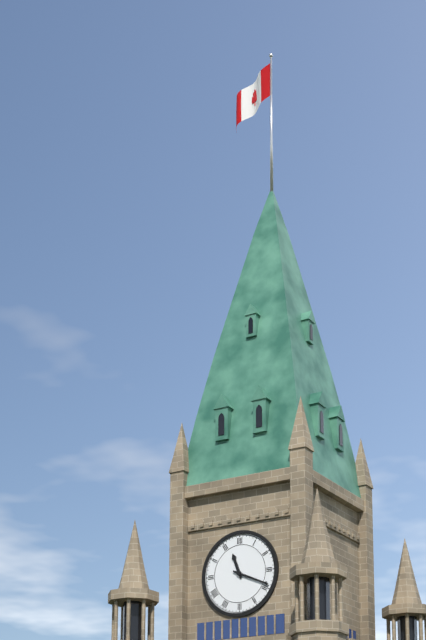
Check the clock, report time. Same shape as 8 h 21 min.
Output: 11 h 19 min
